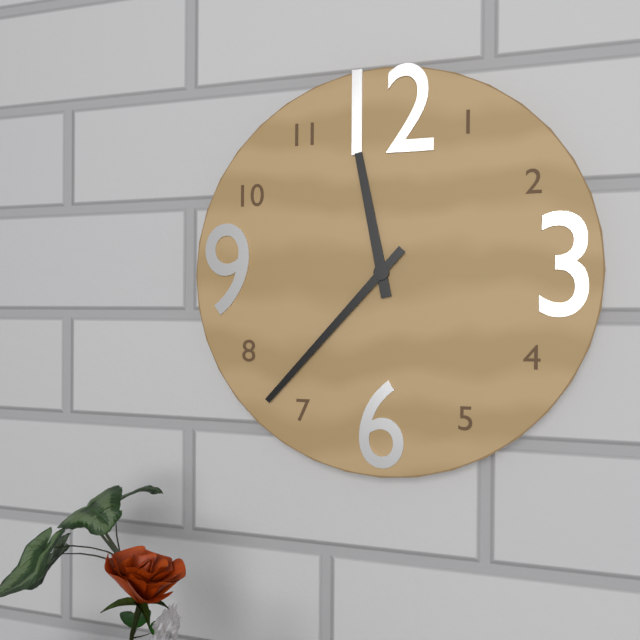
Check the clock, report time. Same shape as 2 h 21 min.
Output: 11 h 37 min
